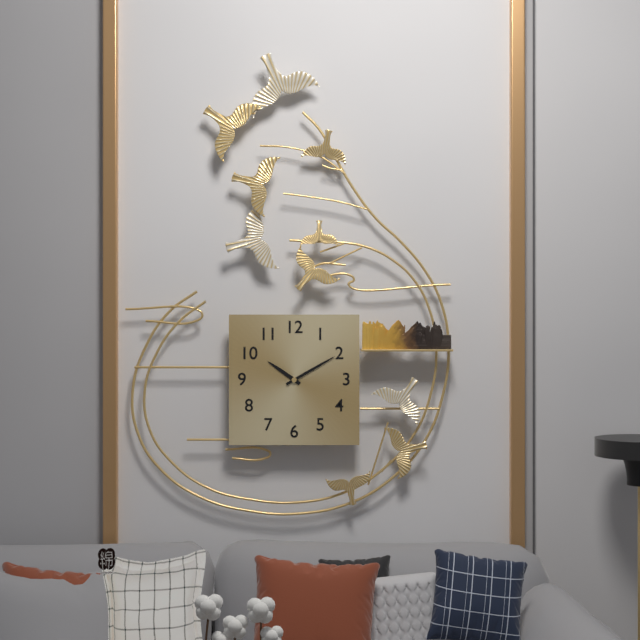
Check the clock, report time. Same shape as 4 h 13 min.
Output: 10 h 10 min
